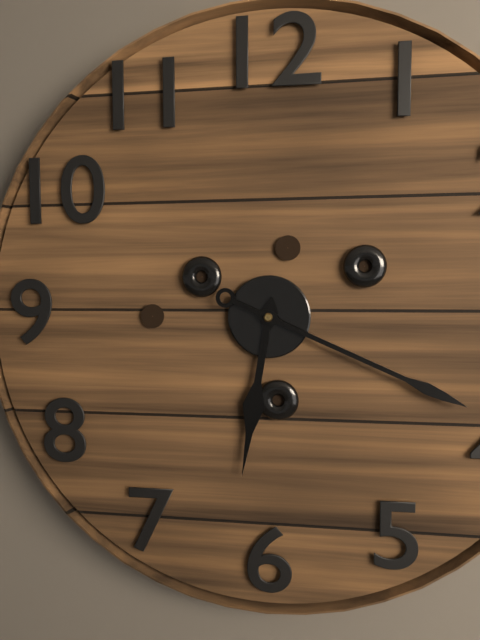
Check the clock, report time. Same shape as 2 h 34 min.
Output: 6 h 19 min
